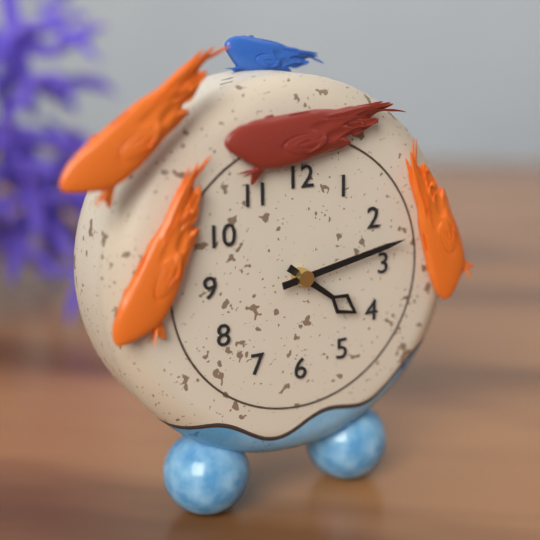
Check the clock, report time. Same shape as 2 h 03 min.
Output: 4 h 13 min
